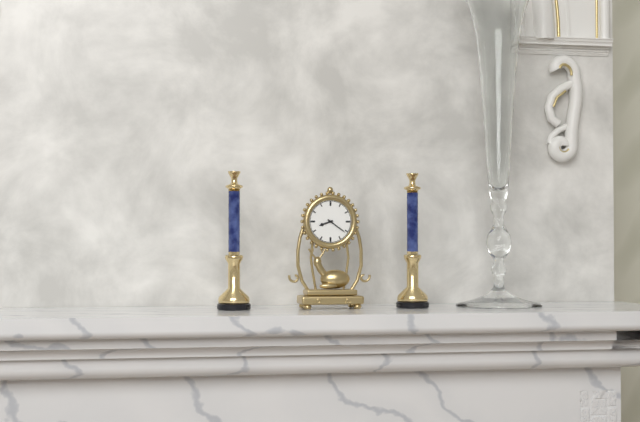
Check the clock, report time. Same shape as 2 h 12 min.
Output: 8 h 21 min
